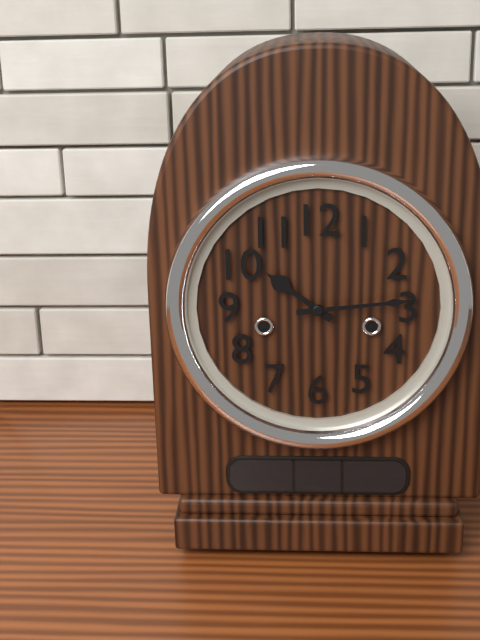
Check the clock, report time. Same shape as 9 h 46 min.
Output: 10 h 14 min
